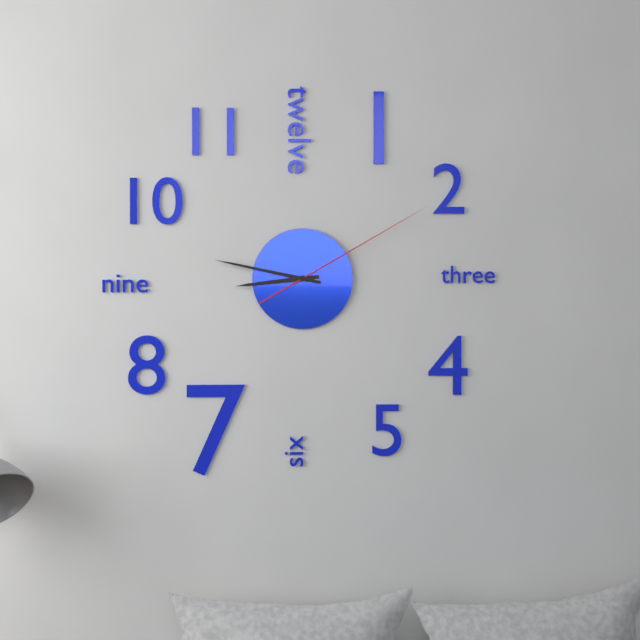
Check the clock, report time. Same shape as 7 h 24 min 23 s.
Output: 8 h 47 min 10 s
